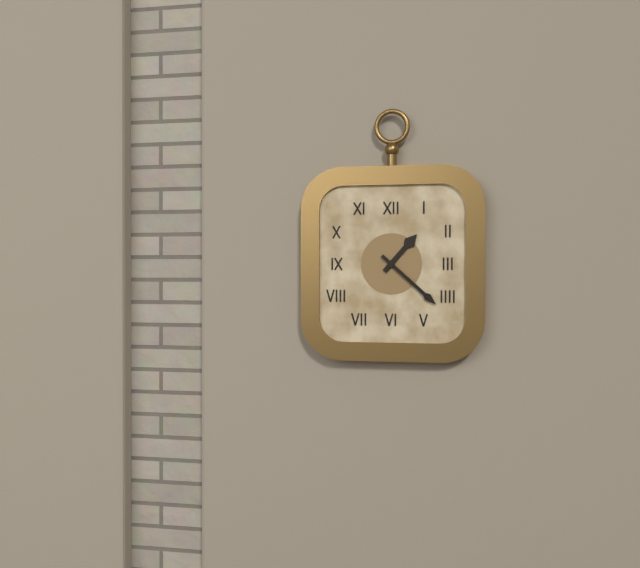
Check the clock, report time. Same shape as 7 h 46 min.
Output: 1 h 22 min
